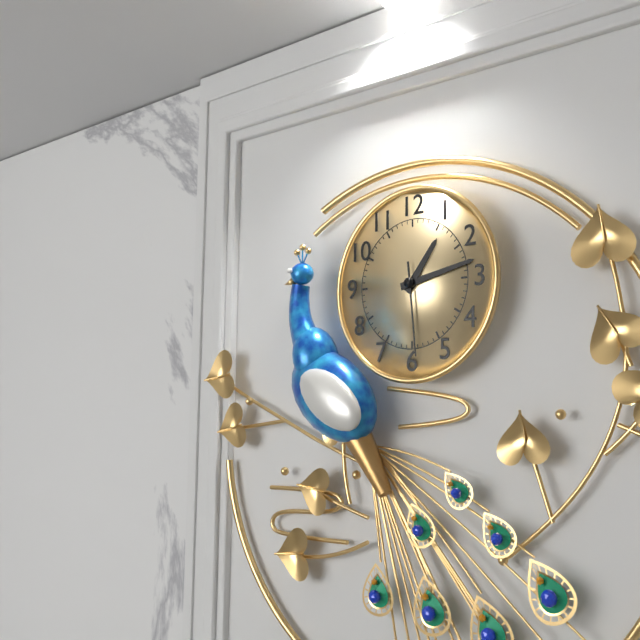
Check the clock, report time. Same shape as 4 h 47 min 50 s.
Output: 1 h 13 min 29 s
